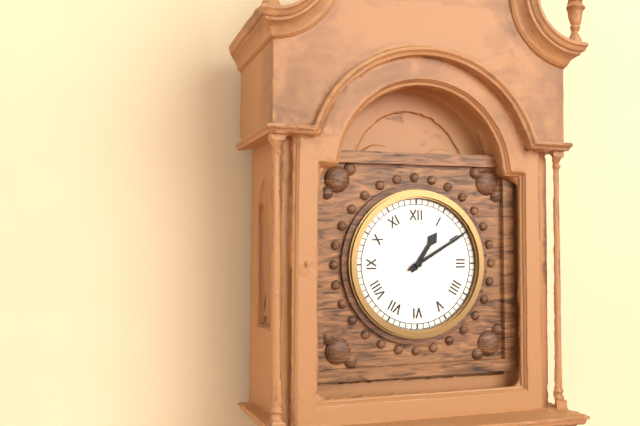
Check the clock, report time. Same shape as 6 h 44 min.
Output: 1 h 10 min
